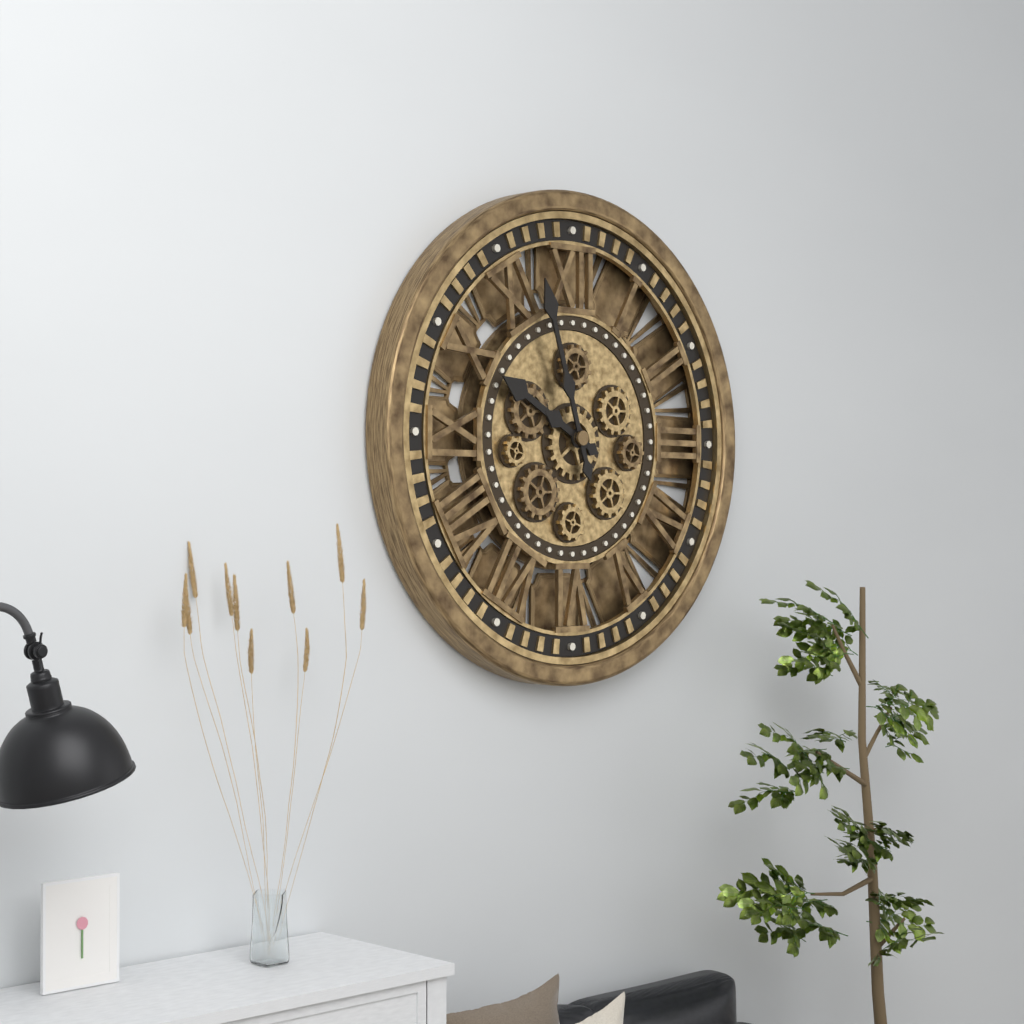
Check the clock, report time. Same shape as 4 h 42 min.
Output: 9 h 57 min
